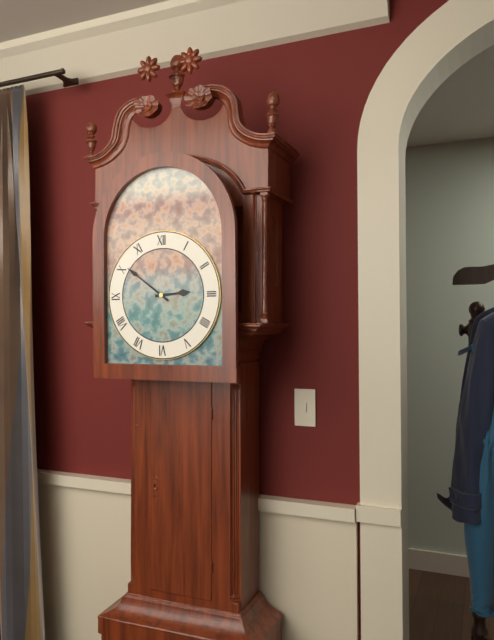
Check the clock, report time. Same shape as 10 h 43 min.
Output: 2 h 51 min
